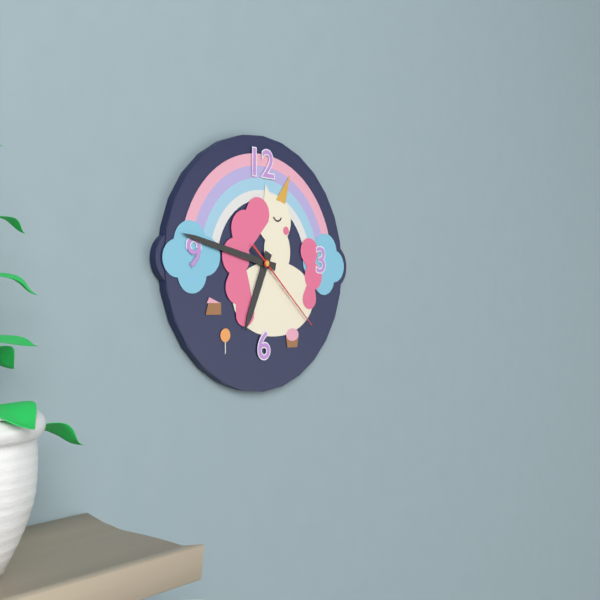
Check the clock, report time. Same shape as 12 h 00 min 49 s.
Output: 6 h 47 min 22 s
